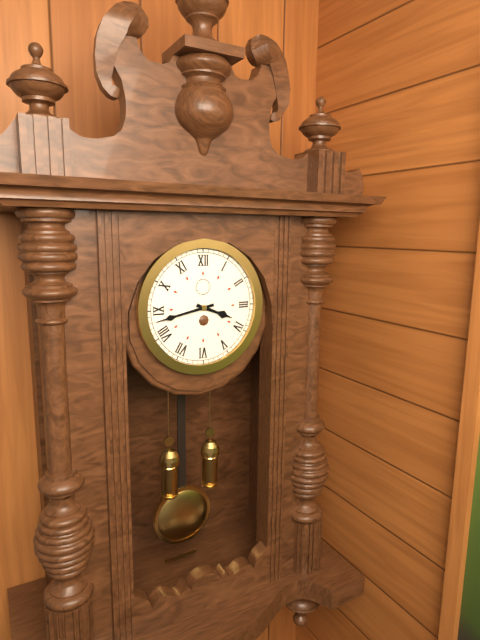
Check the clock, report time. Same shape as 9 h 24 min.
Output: 3 h 43 min
